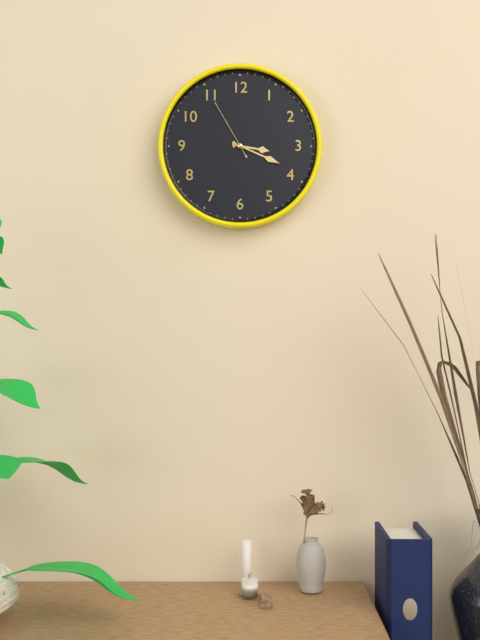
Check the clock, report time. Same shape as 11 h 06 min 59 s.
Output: 3 h 19 min 55 s
